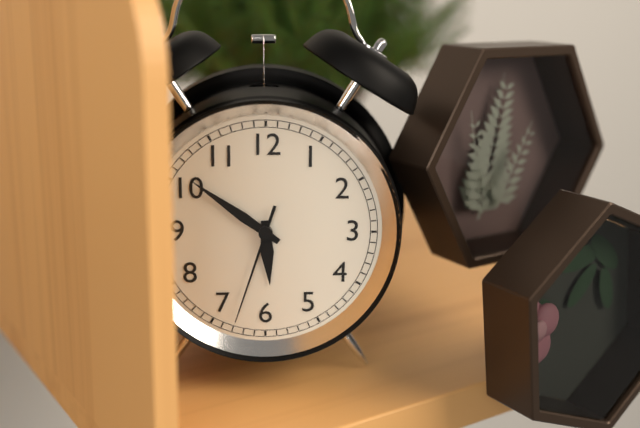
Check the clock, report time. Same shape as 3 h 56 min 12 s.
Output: 5 h 51 min 33 s
